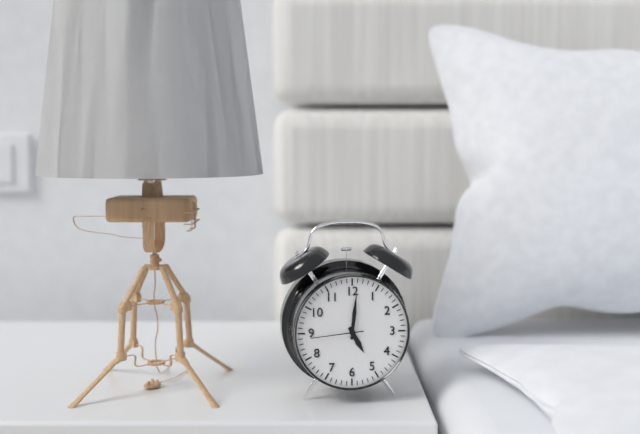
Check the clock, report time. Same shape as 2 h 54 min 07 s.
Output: 5 h 01 min 44 s
